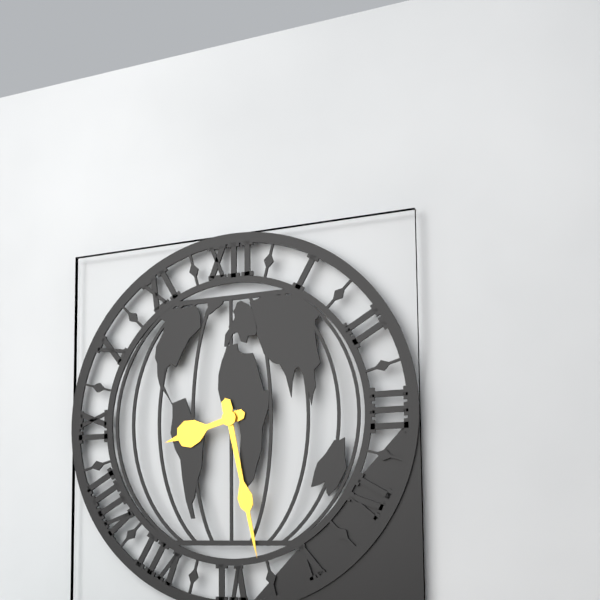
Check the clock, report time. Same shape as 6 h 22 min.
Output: 8 h 28 min
